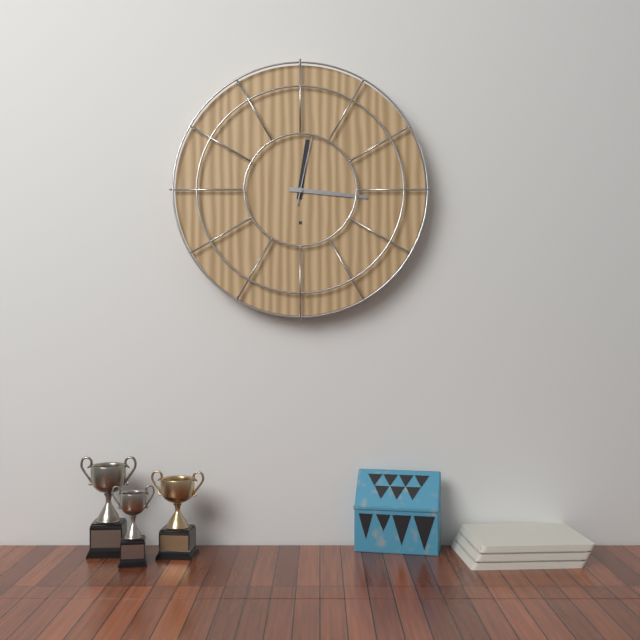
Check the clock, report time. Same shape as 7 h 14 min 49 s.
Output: 12 h 16 min 02 s
